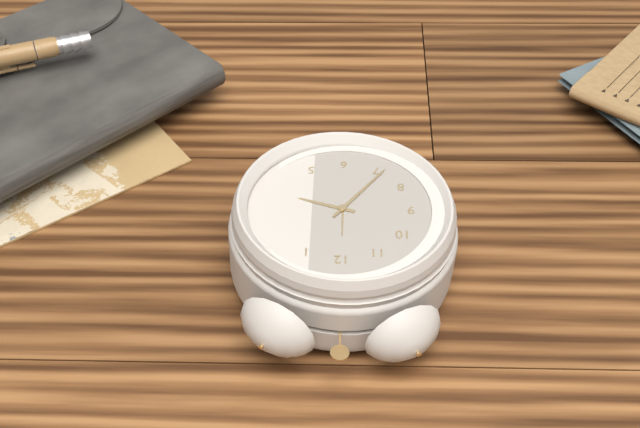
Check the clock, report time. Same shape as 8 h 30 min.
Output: 3 h 36 min
